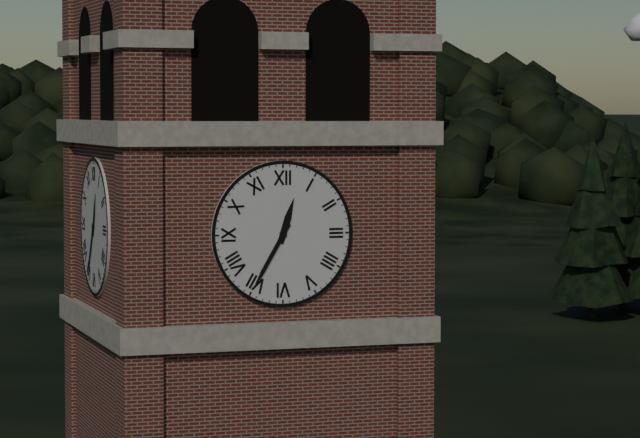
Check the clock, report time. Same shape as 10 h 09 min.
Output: 12 h 35 min
